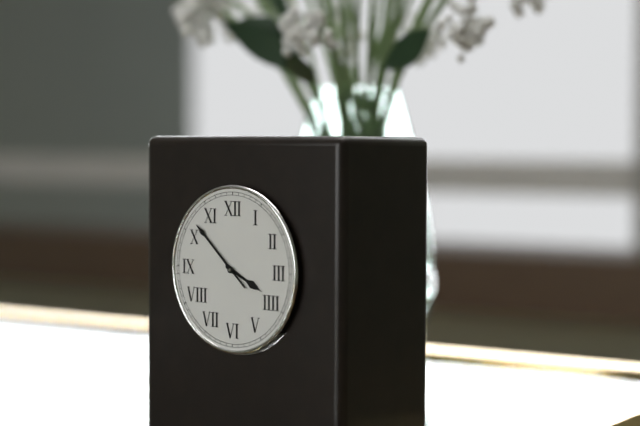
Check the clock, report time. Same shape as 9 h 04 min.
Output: 3 h 52 min
